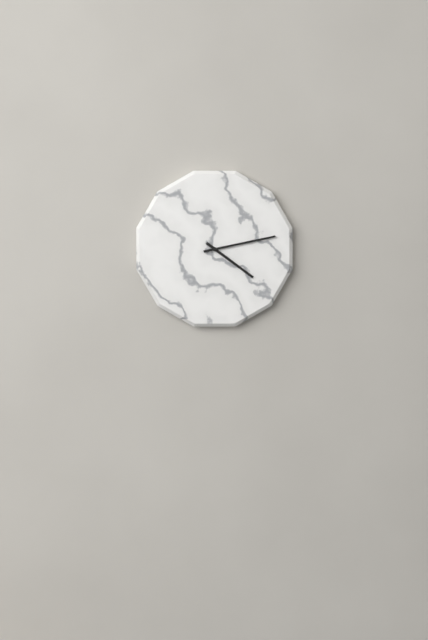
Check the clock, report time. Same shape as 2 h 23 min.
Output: 4 h 13 min
